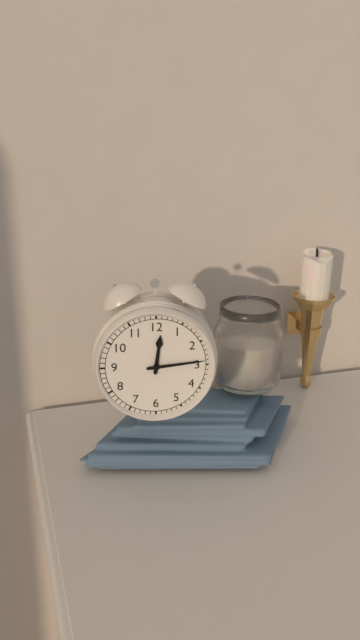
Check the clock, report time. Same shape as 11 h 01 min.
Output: 12 h 14 min
